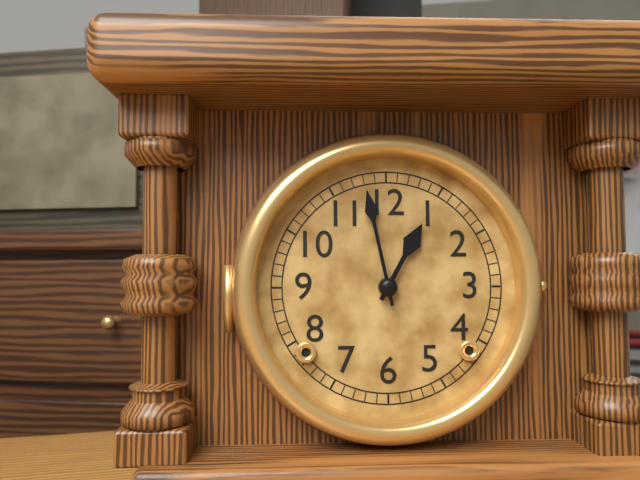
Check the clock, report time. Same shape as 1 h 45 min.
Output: 12 h 58 min
